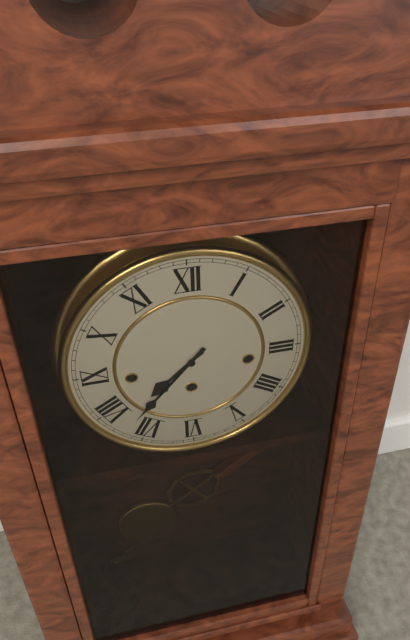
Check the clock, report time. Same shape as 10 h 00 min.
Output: 7 h 37 min
